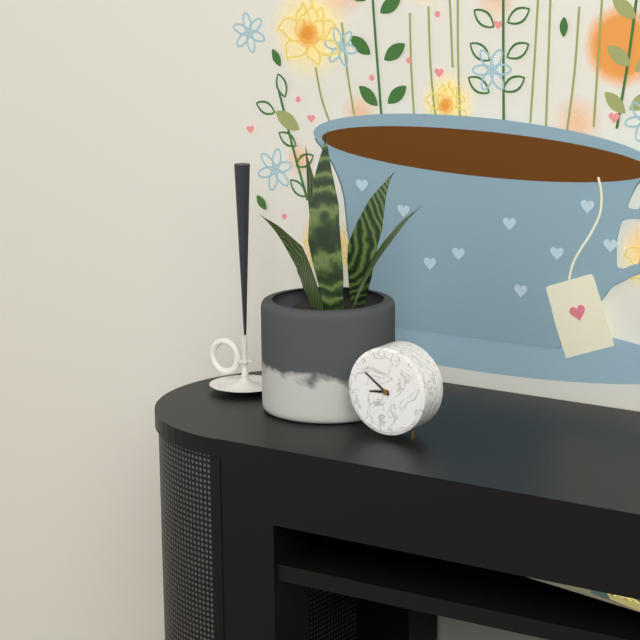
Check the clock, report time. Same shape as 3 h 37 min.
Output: 8 h 51 min
